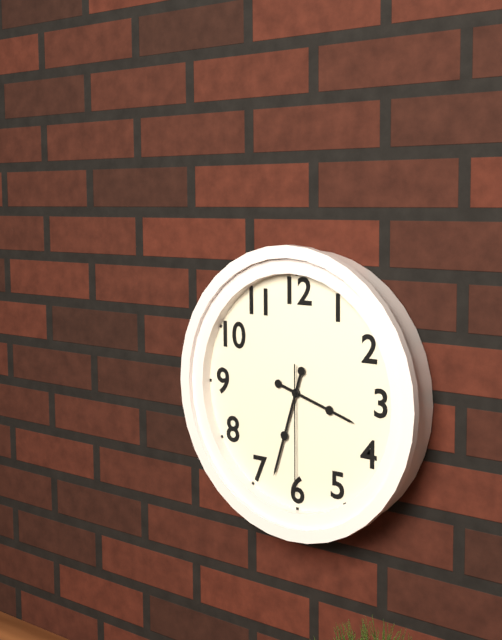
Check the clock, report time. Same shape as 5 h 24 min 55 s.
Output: 3 h 33 min 30 s
